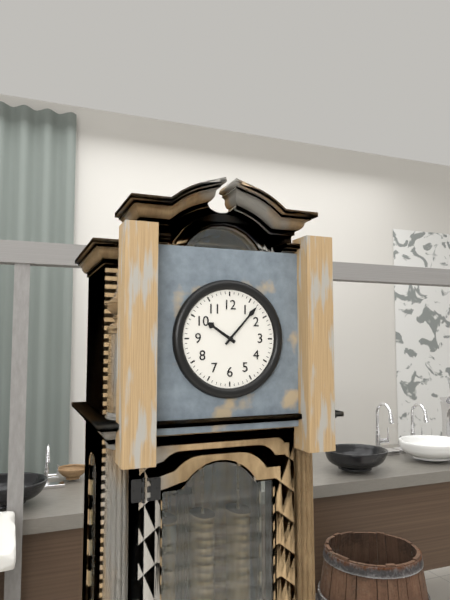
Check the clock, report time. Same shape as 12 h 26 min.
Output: 10 h 07 min
